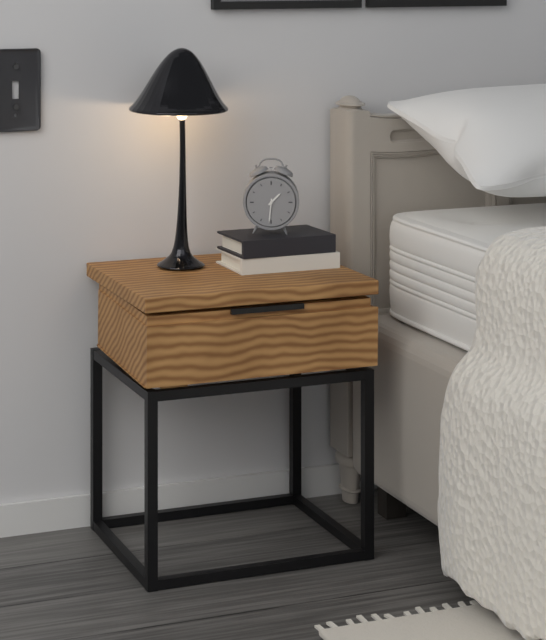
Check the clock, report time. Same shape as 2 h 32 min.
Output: 1 h 31 min
